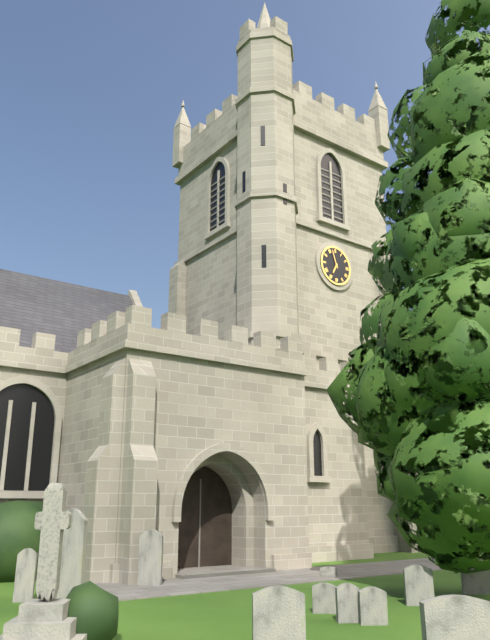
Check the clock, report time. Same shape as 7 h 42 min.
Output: 6 h 57 min
